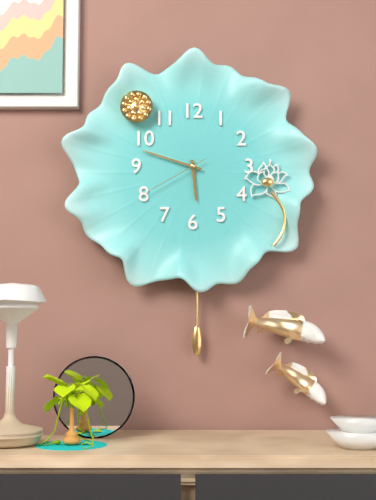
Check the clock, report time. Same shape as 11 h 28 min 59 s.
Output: 5 h 48 min 40 s
